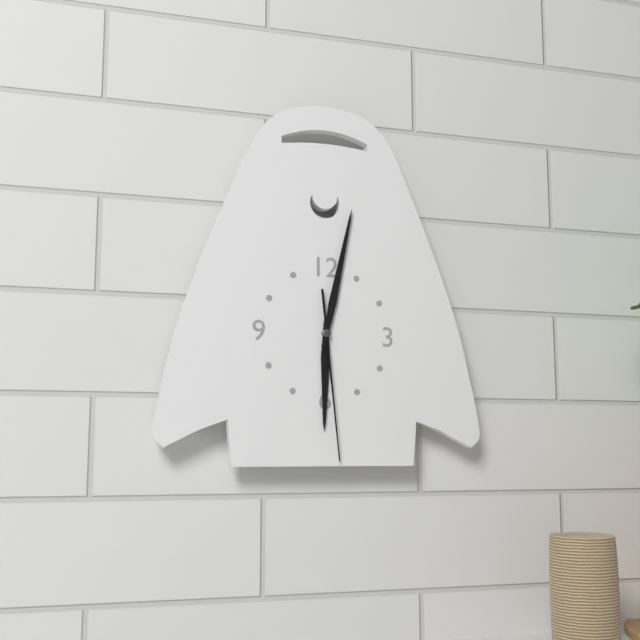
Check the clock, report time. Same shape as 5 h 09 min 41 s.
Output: 6 h 02 min 29 s
